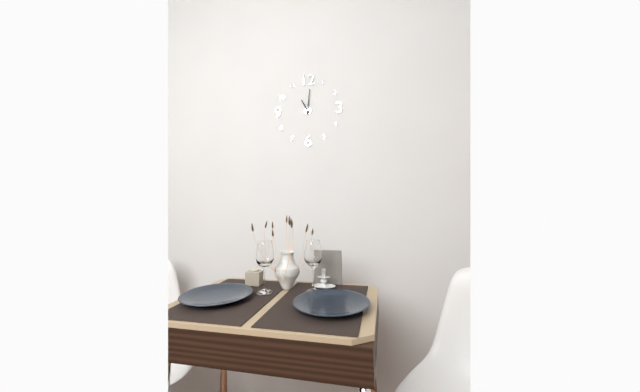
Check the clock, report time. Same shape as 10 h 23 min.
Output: 11 h 01 min
